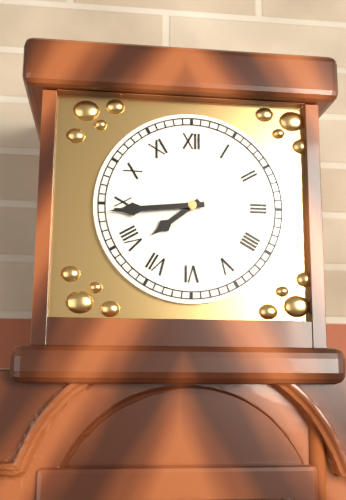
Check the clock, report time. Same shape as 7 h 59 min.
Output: 7 h 44 min
